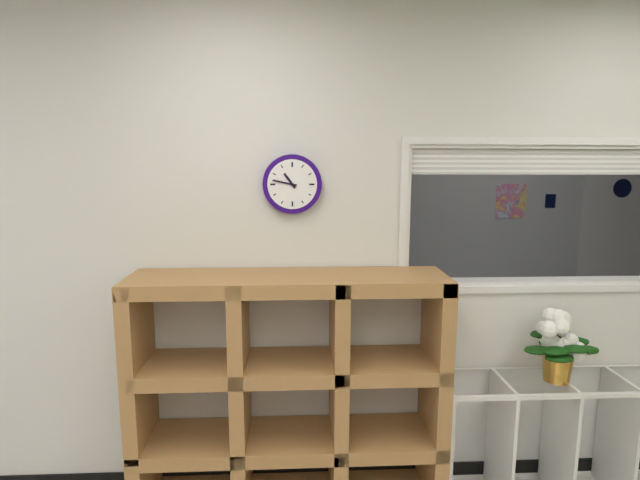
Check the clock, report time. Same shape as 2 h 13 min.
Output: 10 h 47 min
